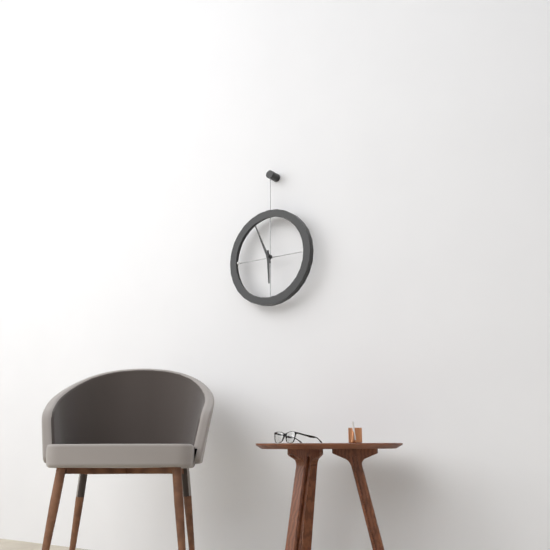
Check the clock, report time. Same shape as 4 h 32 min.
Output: 5 h 56 min
